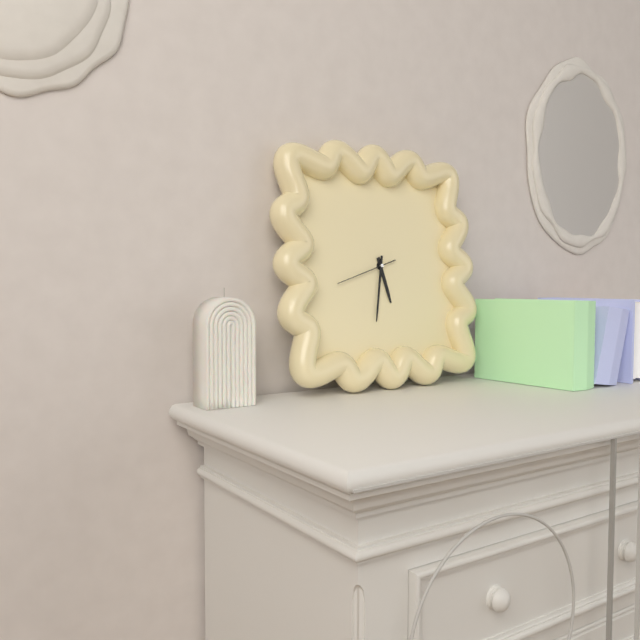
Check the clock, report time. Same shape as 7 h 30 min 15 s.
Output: 5 h 32 min 42 s
